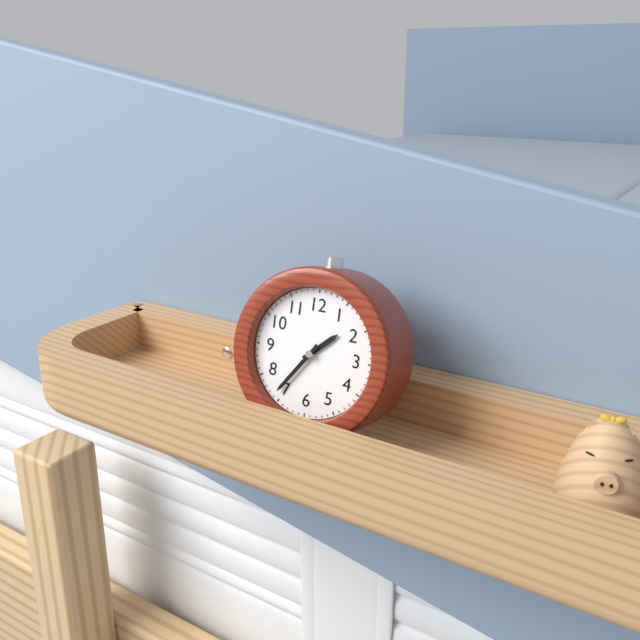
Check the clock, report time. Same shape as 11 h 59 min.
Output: 1 h 36 min
